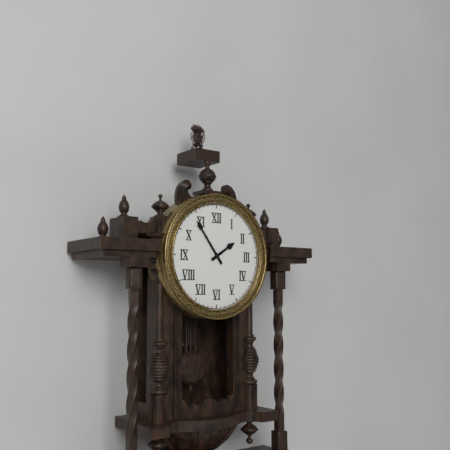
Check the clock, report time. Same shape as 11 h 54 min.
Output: 1 h 54 min
